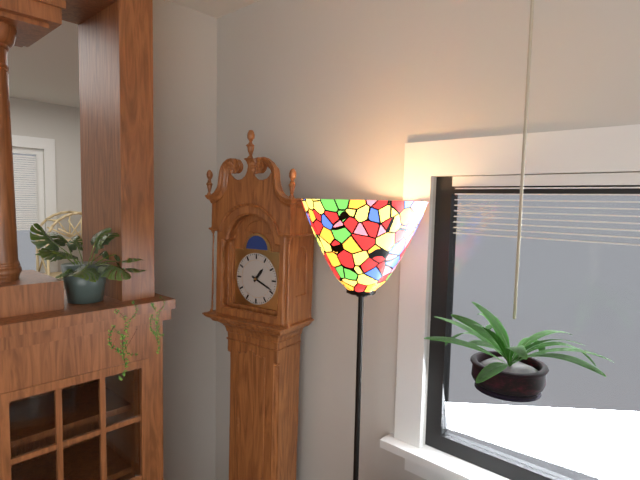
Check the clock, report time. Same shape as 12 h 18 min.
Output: 1 h 19 min
